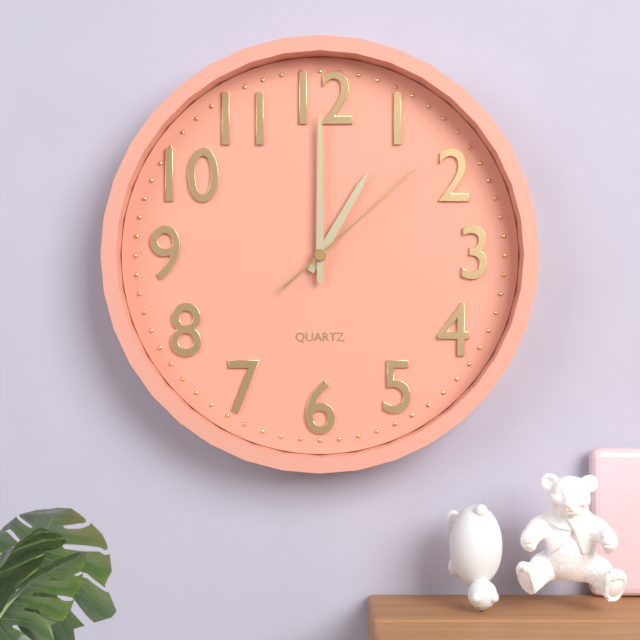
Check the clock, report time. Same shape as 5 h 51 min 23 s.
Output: 1 h 00 min 08 s
